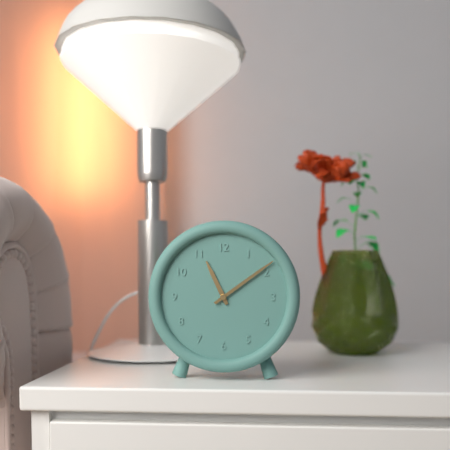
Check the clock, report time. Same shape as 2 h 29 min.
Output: 11 h 09 min
